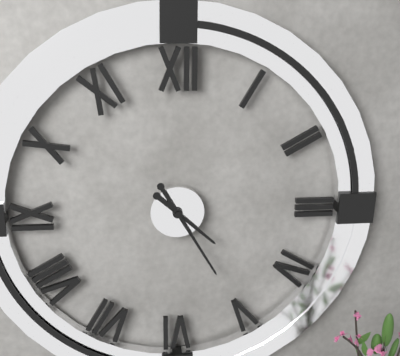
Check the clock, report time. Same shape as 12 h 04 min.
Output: 4 h 25 min
